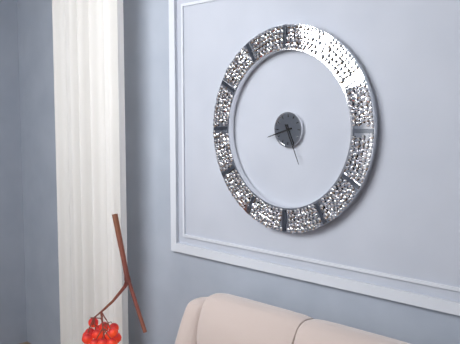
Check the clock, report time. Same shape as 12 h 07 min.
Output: 8 h 26 min
